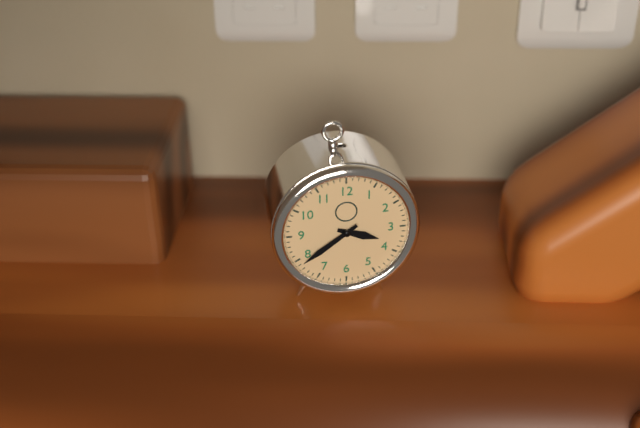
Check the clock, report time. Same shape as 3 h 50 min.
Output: 3 h 39 min
